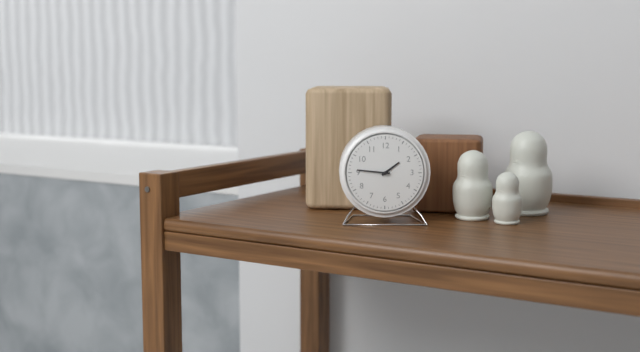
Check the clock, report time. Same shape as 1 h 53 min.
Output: 1 h 46 min
